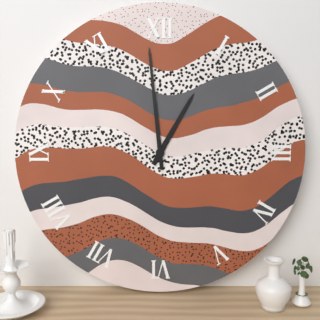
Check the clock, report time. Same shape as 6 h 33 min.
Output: 12 h 59 min
